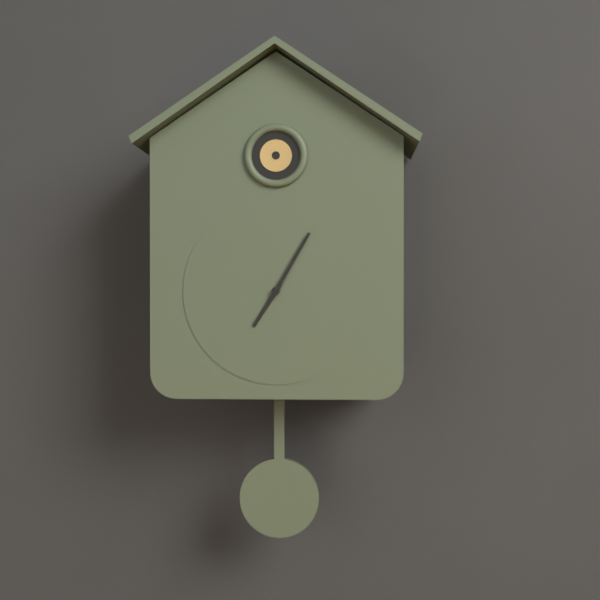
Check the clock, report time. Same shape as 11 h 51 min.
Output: 7 h 05 min
